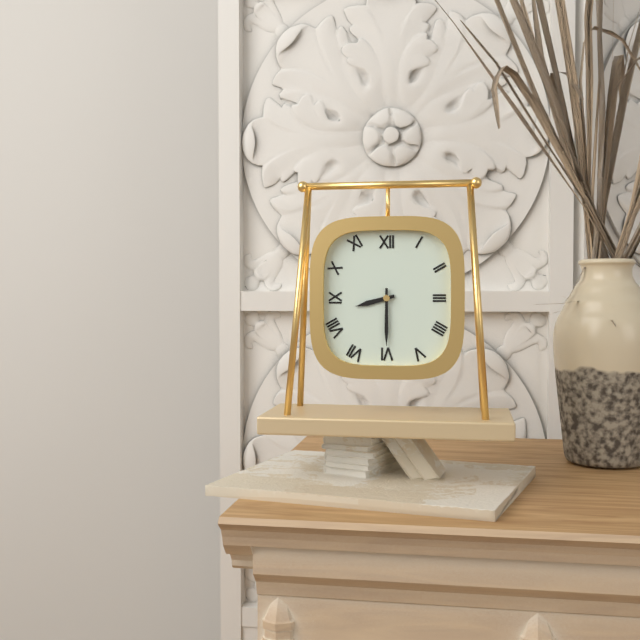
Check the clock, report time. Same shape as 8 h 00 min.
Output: 8 h 30 min
